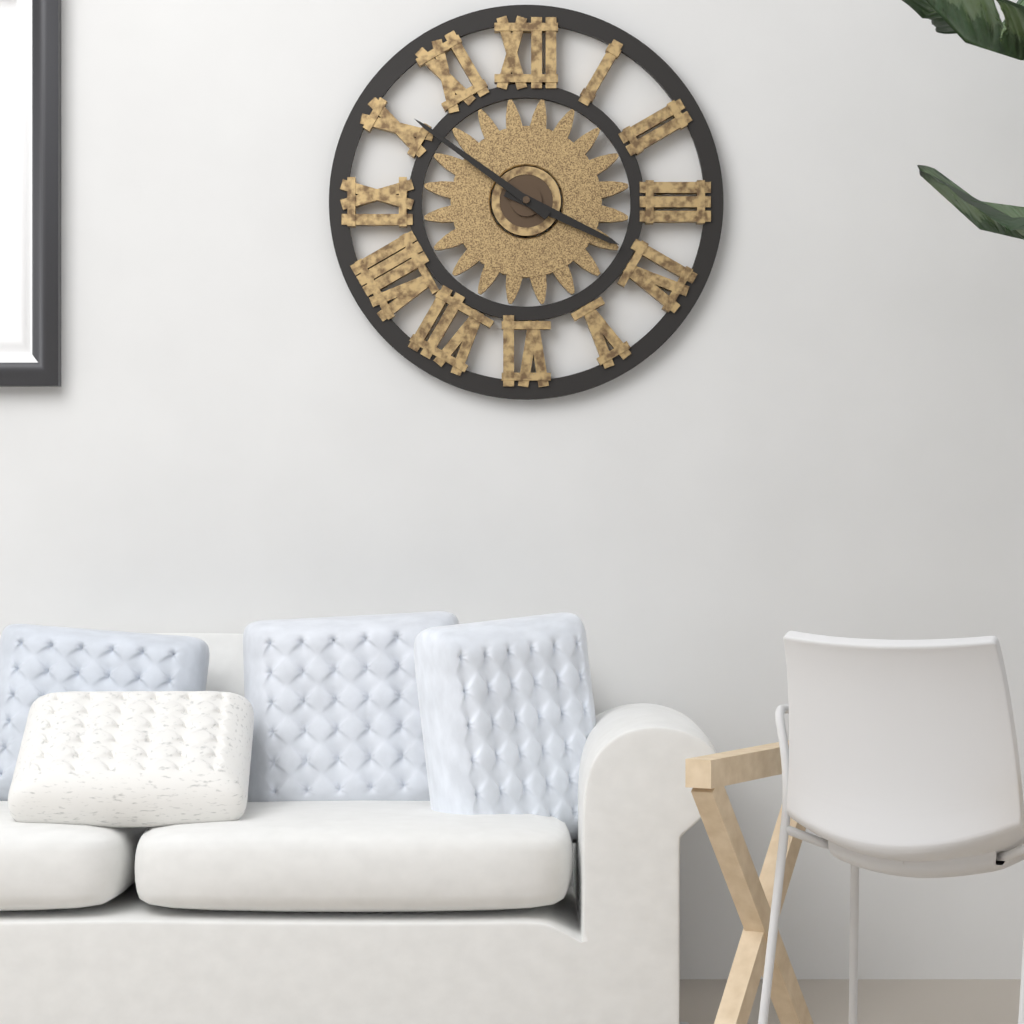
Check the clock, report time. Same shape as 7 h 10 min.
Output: 3 h 51 min
